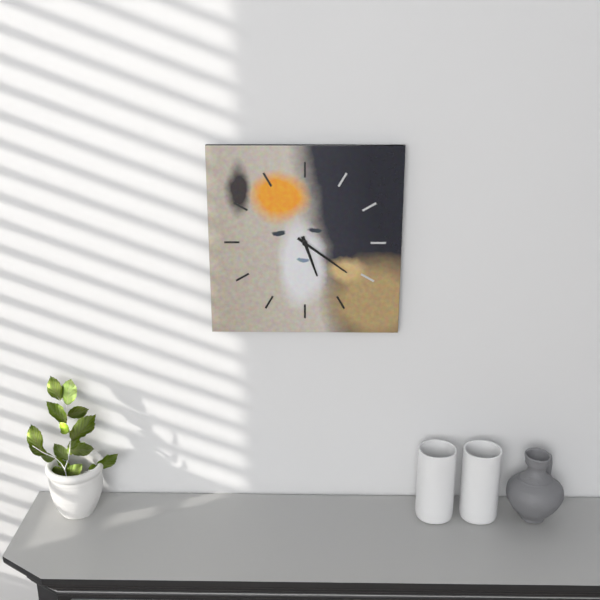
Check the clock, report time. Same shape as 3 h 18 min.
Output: 5 h 21 min
